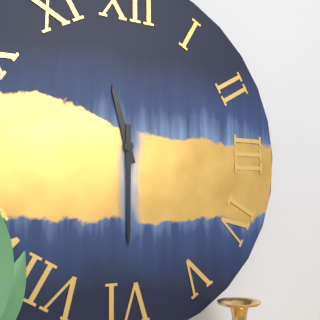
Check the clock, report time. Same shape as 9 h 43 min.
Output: 11 h 30 min
